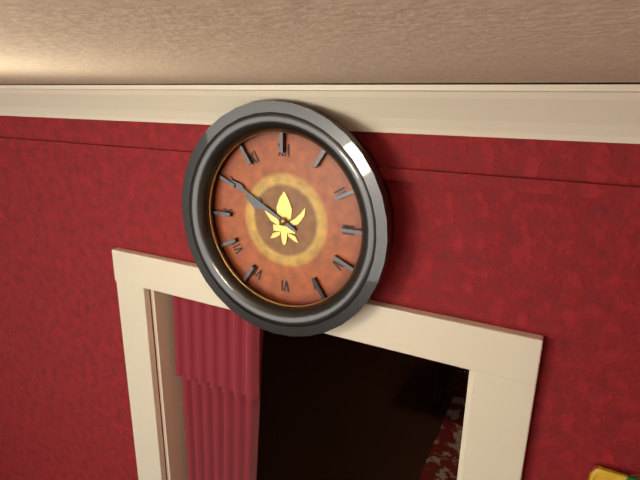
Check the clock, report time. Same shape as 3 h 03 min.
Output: 9 h 50 min
